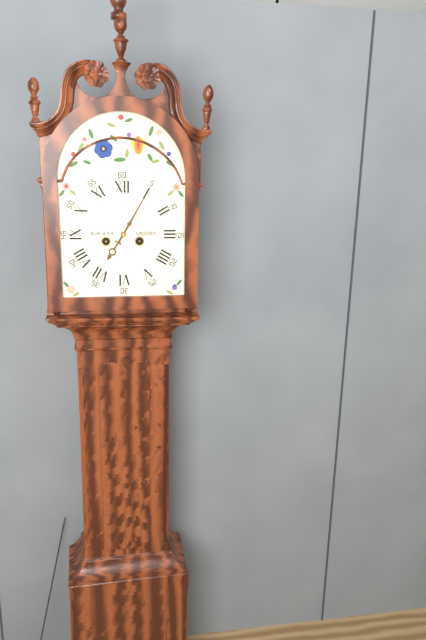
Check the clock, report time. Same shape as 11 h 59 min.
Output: 7 h 05 min
